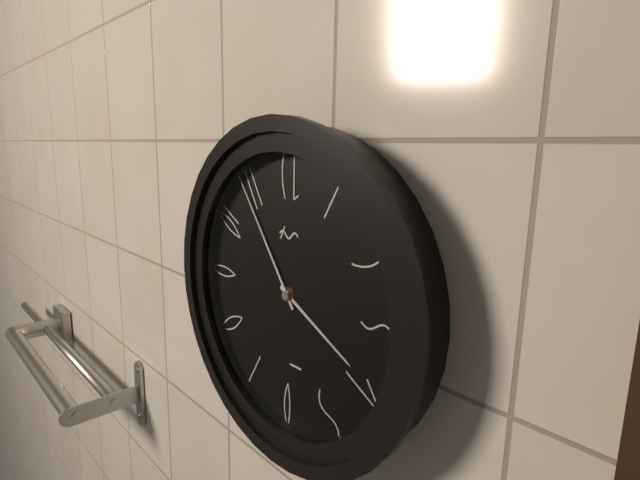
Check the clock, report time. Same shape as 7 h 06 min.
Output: 3 h 54 min
